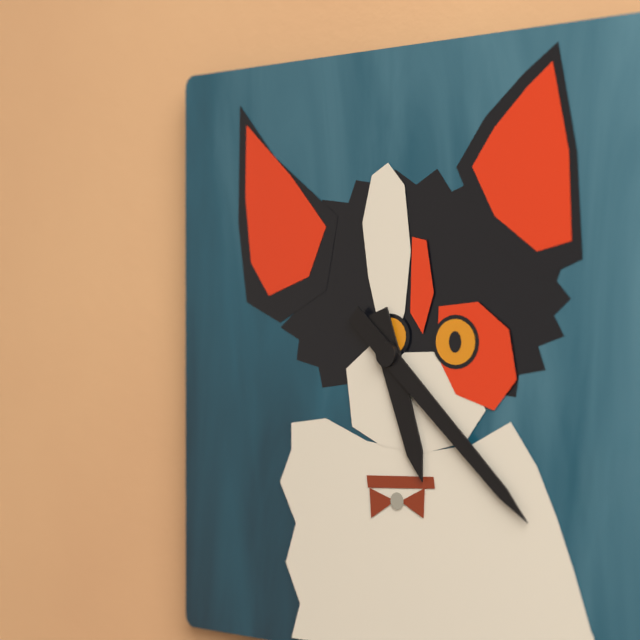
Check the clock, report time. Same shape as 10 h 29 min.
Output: 5 h 22 min
